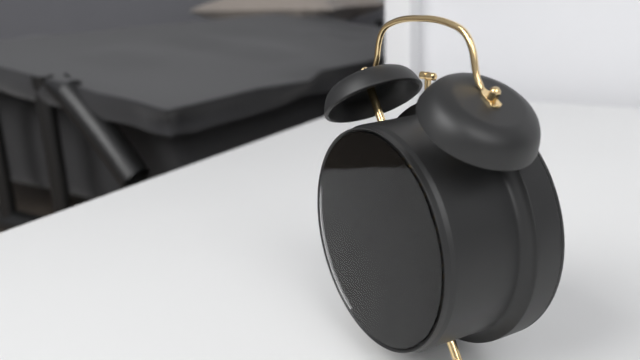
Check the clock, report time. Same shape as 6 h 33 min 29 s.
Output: 7 h 53 min 53 s
